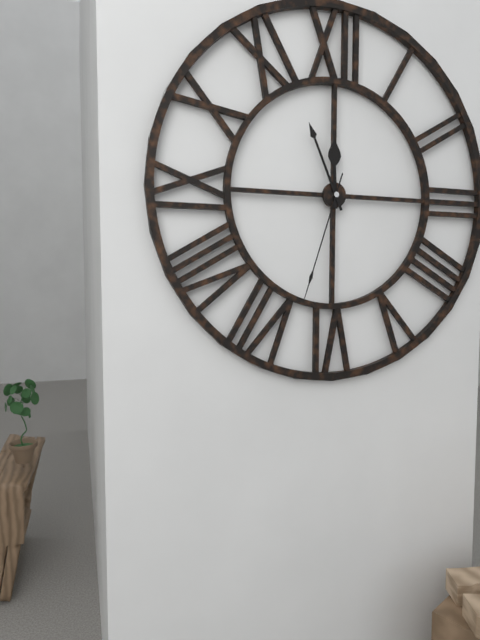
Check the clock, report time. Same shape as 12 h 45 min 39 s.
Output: 11 h 56 min 33 s
